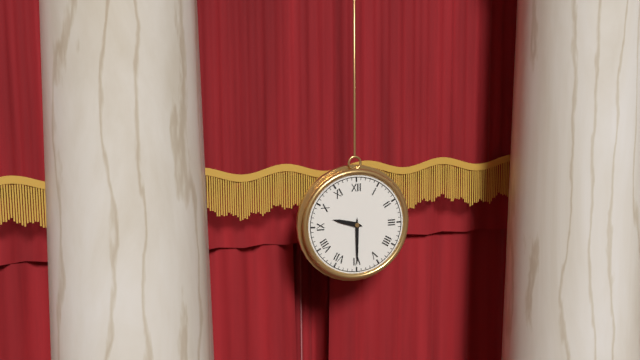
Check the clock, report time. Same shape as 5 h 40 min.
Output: 9 h 30 min
